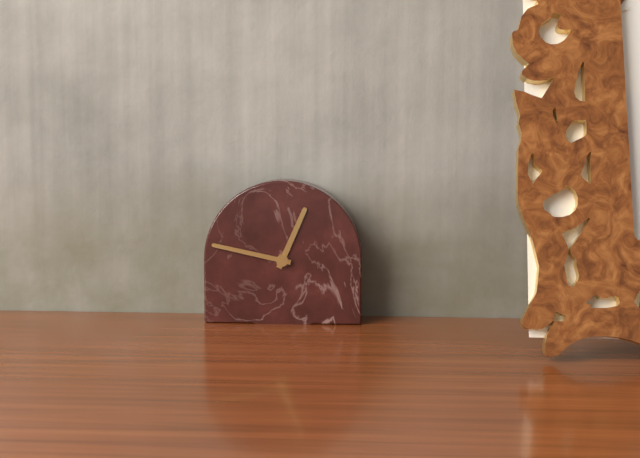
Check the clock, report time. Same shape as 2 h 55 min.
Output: 12 h 47 min
